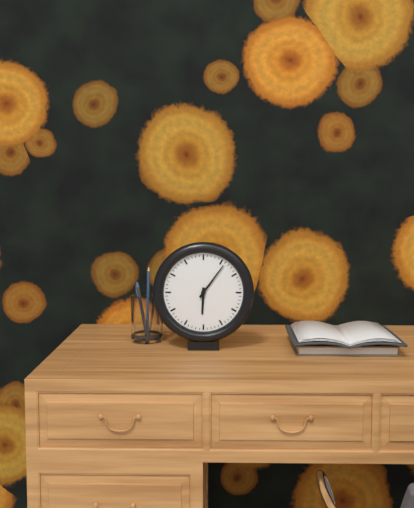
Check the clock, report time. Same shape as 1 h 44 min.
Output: 6 h 06 min
